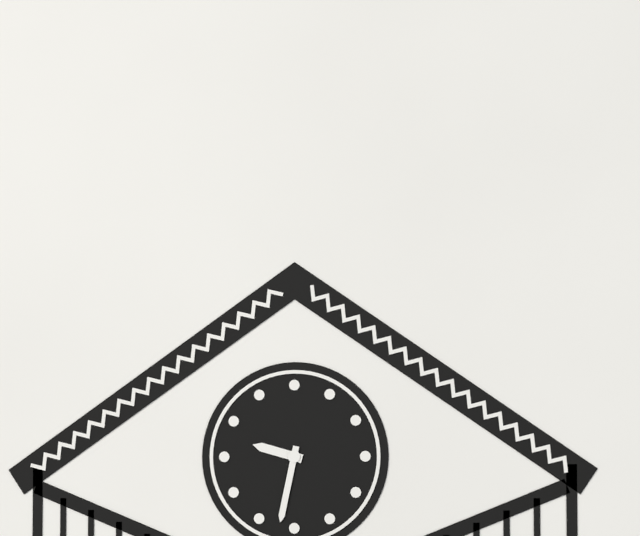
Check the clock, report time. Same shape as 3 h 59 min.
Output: 9 h 32 min
